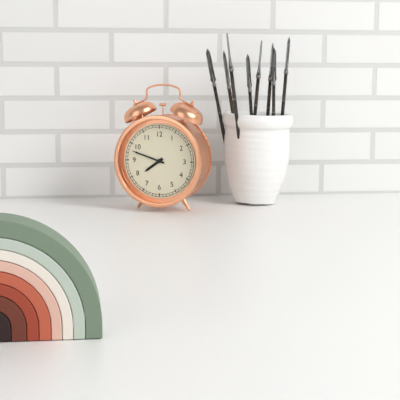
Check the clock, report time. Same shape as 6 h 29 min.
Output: 7 h 48 min
